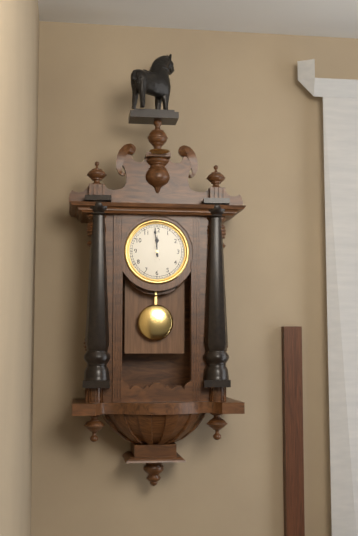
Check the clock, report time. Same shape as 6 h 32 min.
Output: 11 h 59 min
